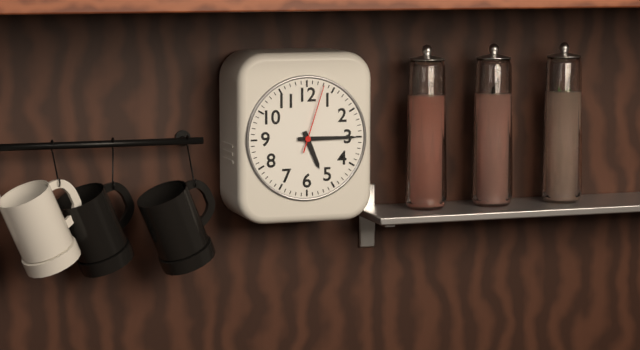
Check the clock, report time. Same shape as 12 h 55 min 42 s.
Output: 5 h 15 min 03 s
